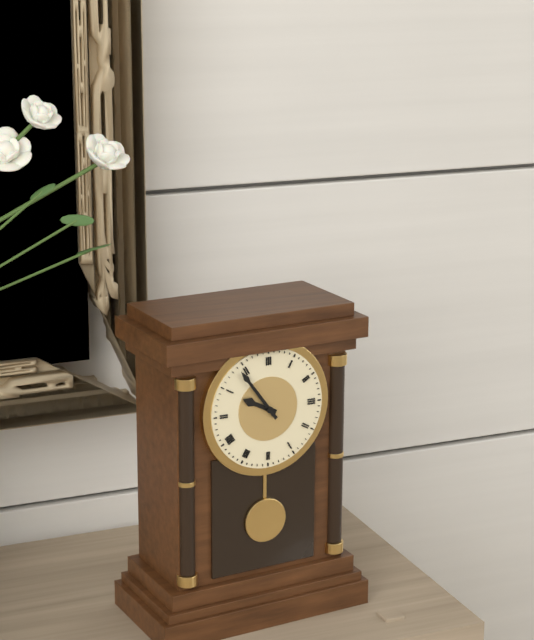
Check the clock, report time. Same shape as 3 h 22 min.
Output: 9 h 54 min
